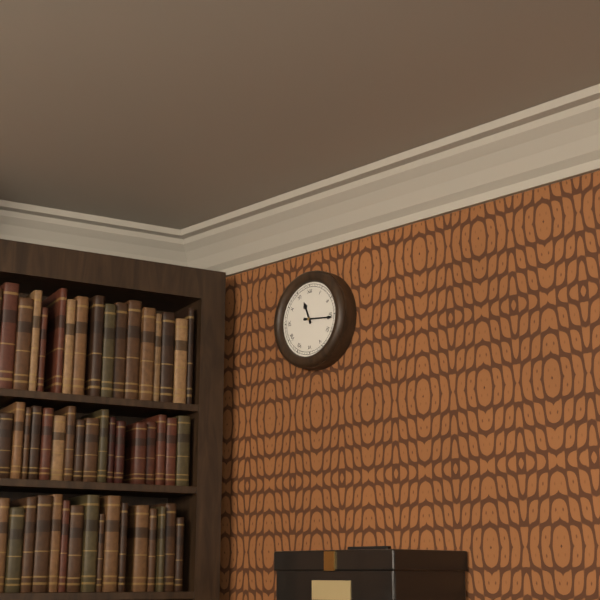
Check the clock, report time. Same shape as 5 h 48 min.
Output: 11 h 16 min
